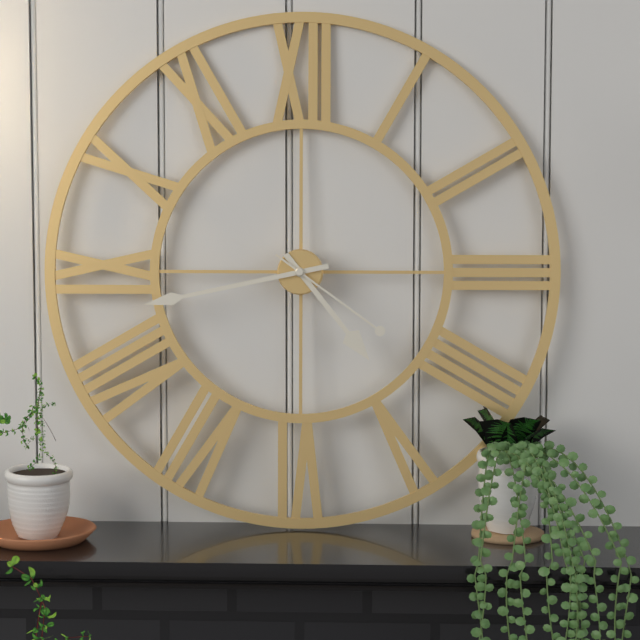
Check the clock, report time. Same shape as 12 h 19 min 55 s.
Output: 4 h 43 min 21 s
